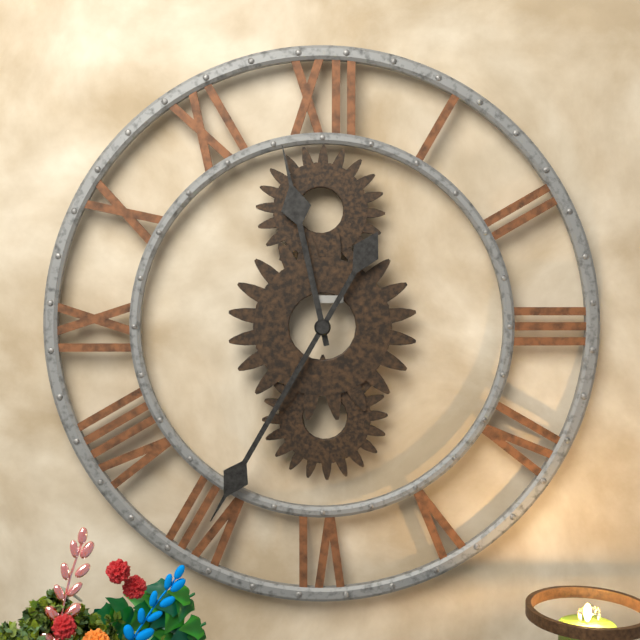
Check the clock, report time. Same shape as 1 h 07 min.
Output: 11 h 35 min
